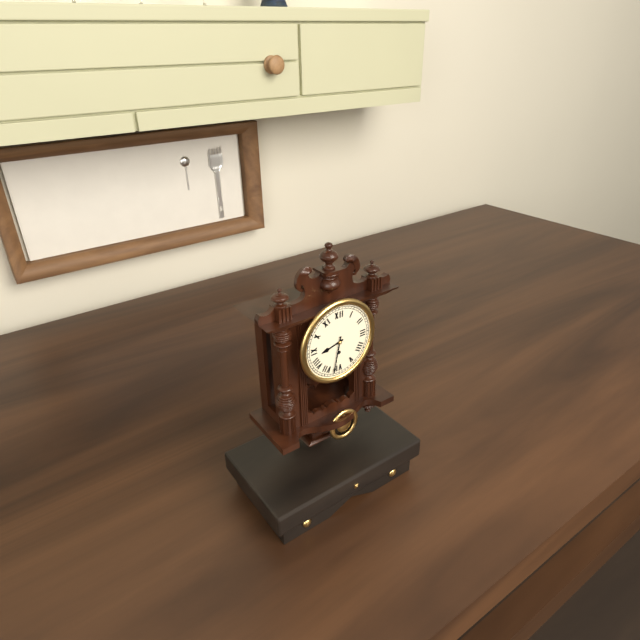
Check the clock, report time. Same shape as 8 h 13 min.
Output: 8 h 32 min
